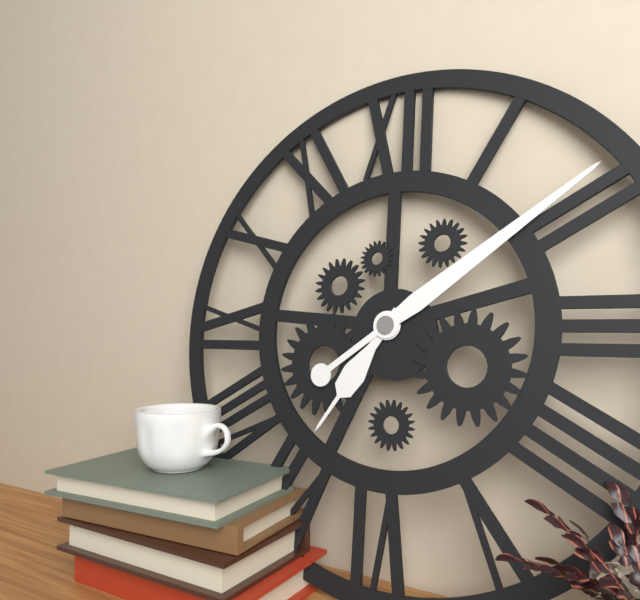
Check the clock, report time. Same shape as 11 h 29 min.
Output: 7 h 09 min
